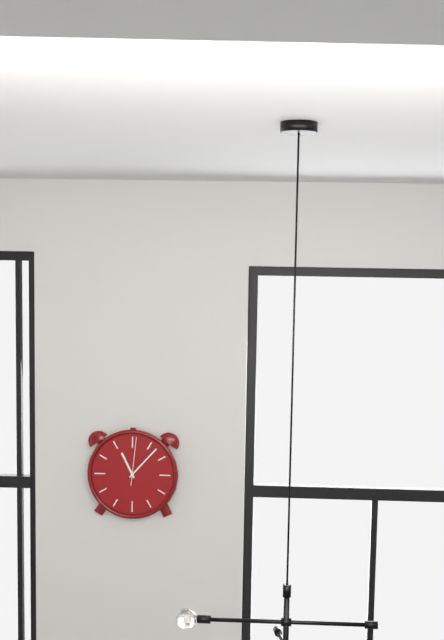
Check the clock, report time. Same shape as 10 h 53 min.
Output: 11 h 07 min
